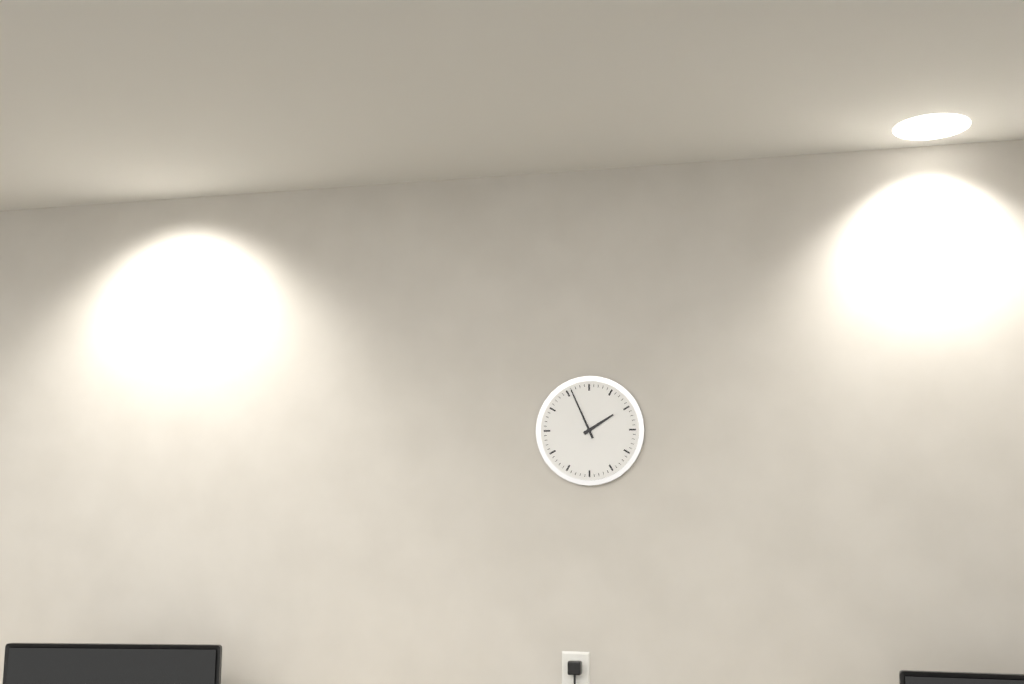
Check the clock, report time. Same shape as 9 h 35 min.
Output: 1 h 56 min
